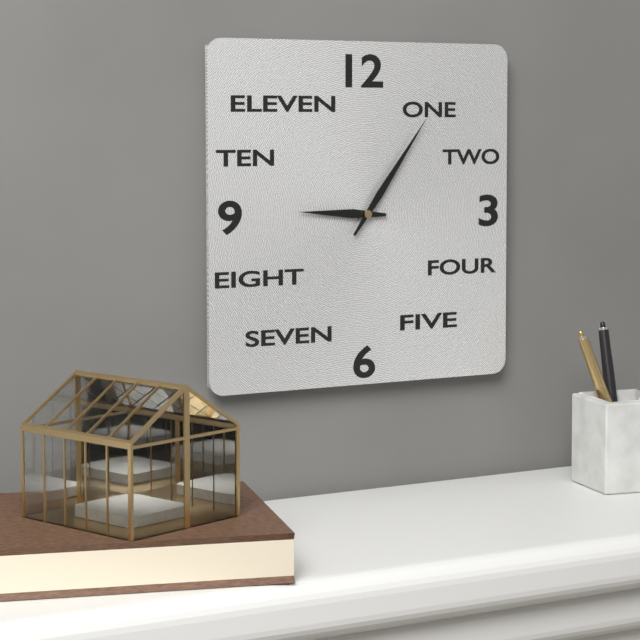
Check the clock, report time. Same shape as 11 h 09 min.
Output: 9 h 06 min
